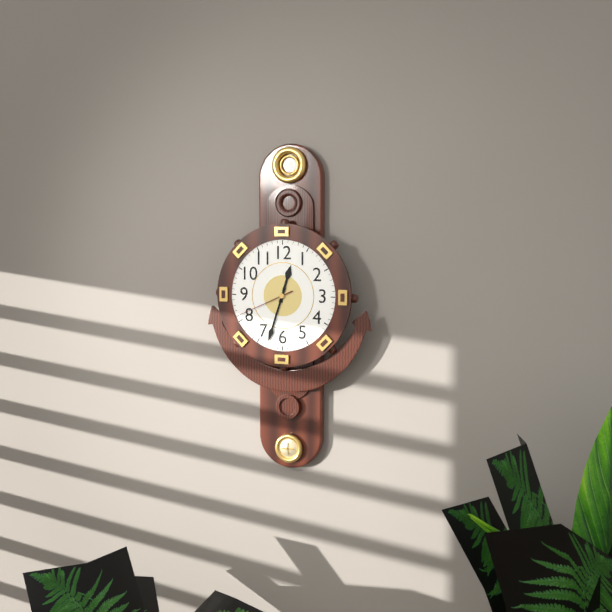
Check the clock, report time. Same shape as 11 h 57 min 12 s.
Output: 12 h 33 min 41 s
